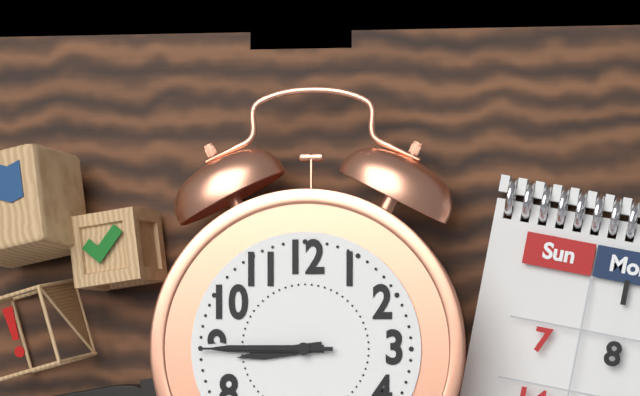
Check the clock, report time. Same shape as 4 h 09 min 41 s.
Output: 8 h 45 min 45 s
